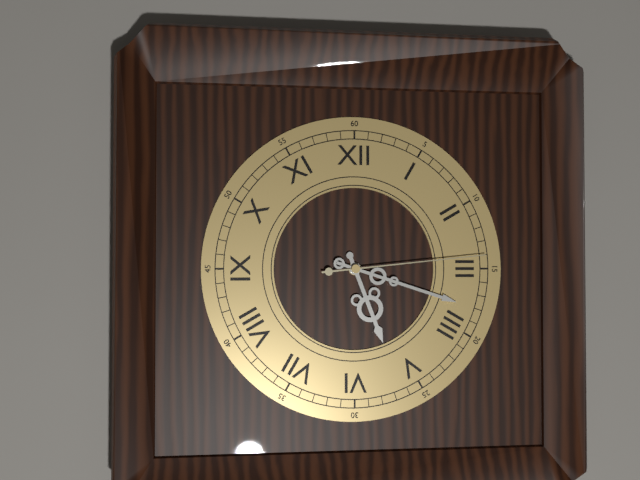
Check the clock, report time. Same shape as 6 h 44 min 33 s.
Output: 5 h 18 min 14 s
